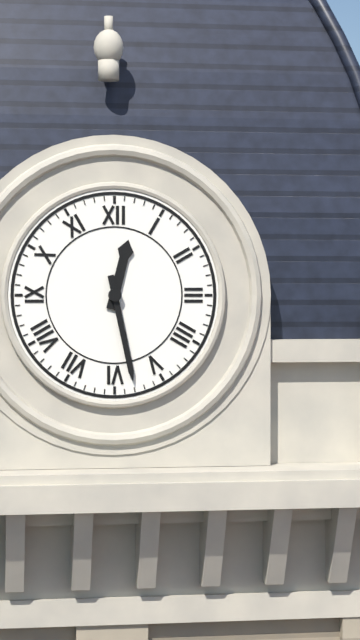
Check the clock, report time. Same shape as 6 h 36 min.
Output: 12 h 28 min
